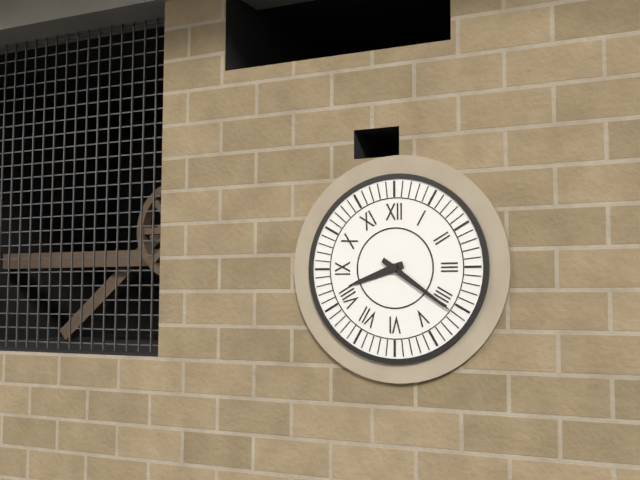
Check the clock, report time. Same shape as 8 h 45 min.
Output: 8 h 21 min
